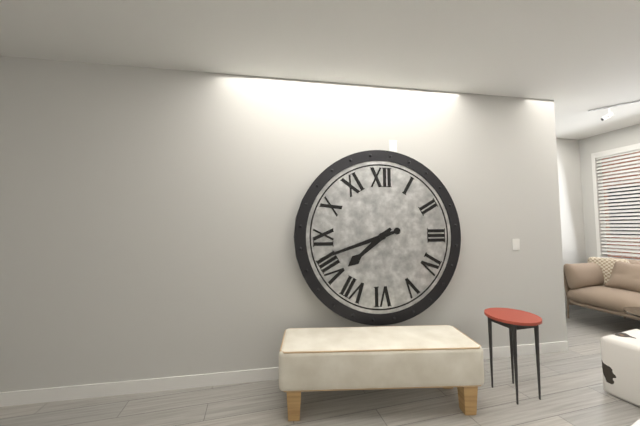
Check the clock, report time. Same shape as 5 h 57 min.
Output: 7 h 42 min
